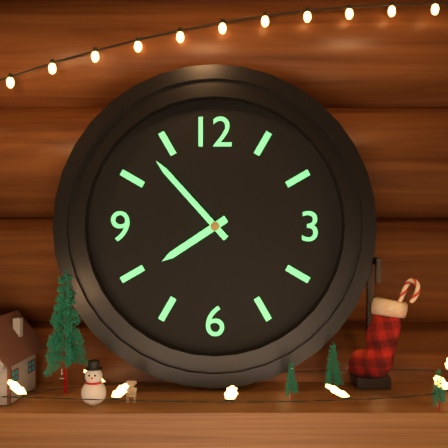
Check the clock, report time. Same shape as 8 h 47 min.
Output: 7 h 53 min
